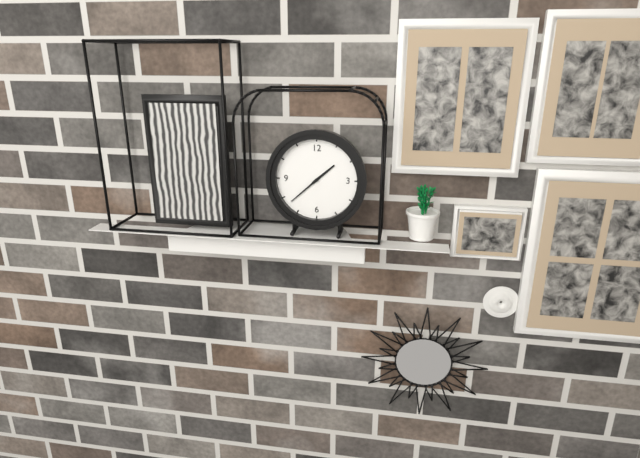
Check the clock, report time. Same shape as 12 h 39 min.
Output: 1 h 38 min
